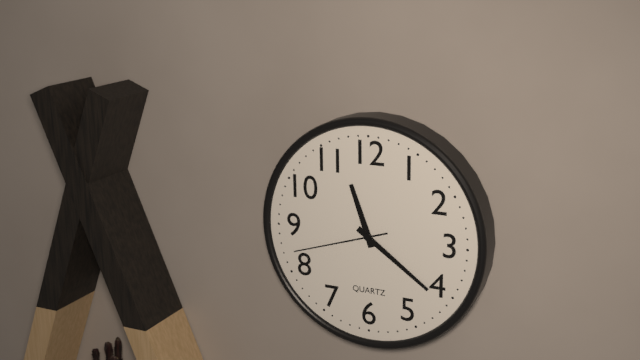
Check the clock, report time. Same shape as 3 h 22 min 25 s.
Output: 11 h 21 min 42 s
